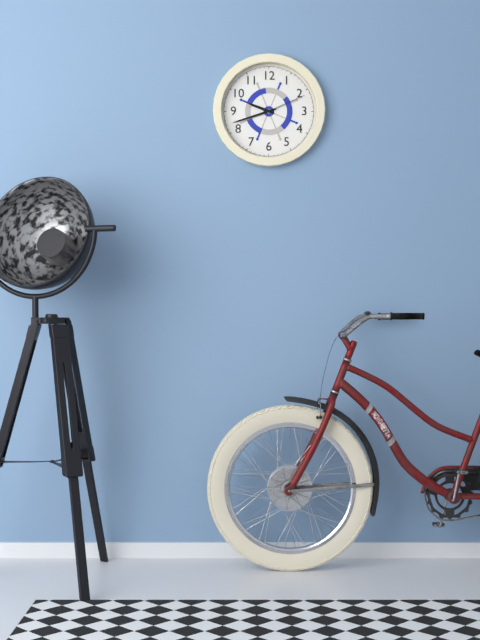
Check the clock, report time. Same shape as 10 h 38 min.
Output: 9 h 42 min
